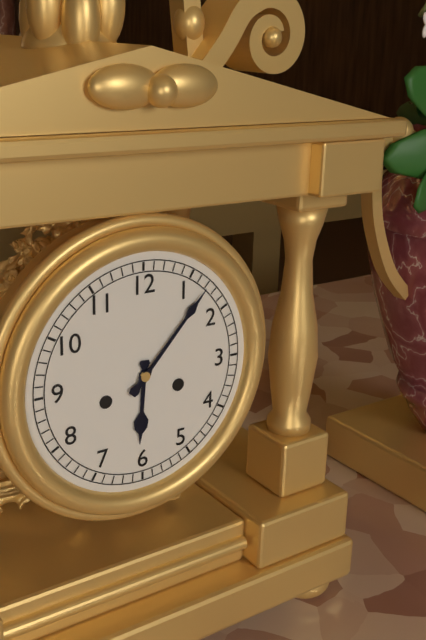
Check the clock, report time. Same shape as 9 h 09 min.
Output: 6 h 07 min
